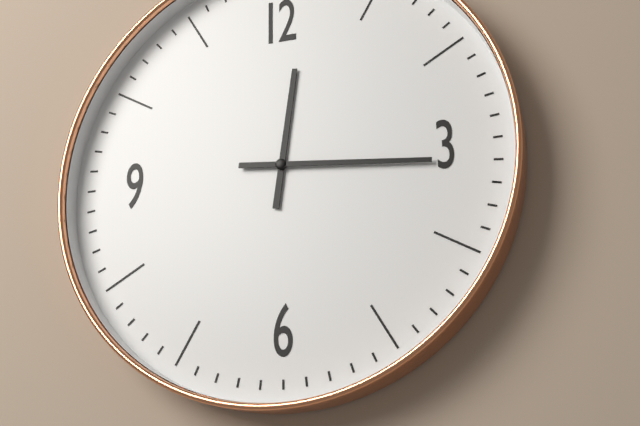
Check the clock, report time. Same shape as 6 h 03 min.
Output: 12 h 16 min
